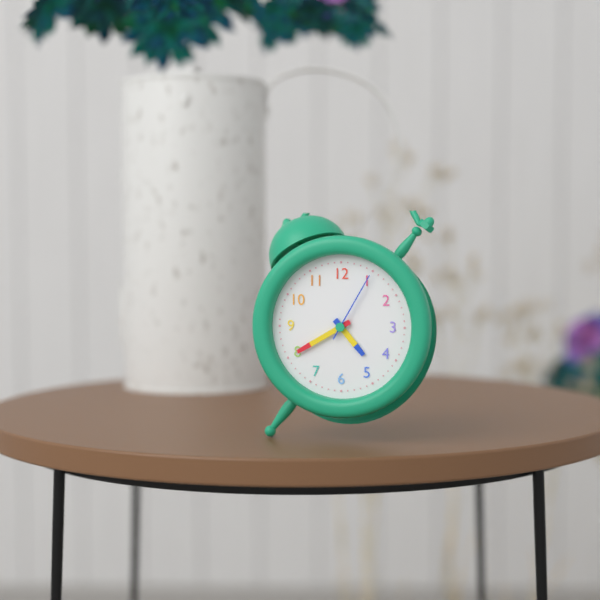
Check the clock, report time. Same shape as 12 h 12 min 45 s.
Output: 4 h 40 min 05 s
